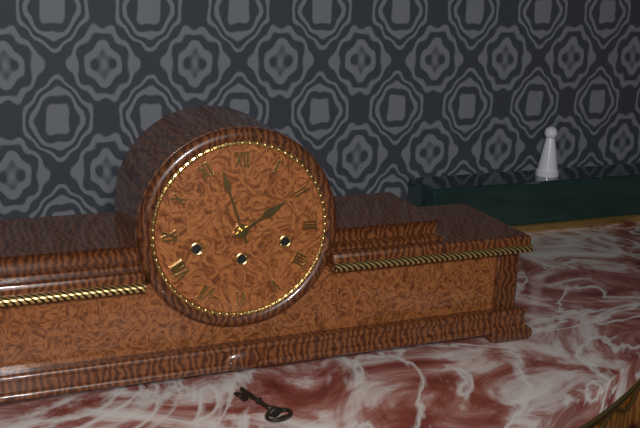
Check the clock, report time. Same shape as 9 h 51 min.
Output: 1 h 57 min
